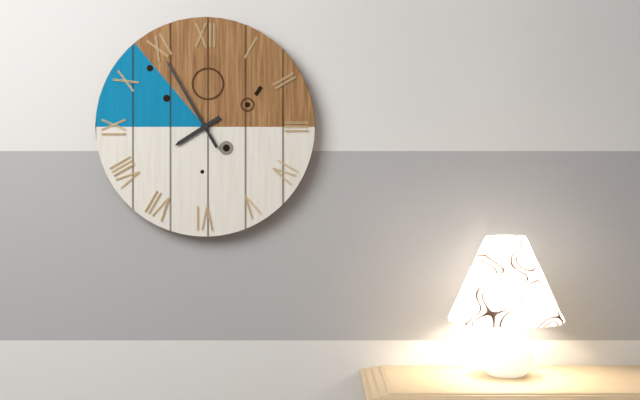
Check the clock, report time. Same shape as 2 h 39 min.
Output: 7 h 55 min
